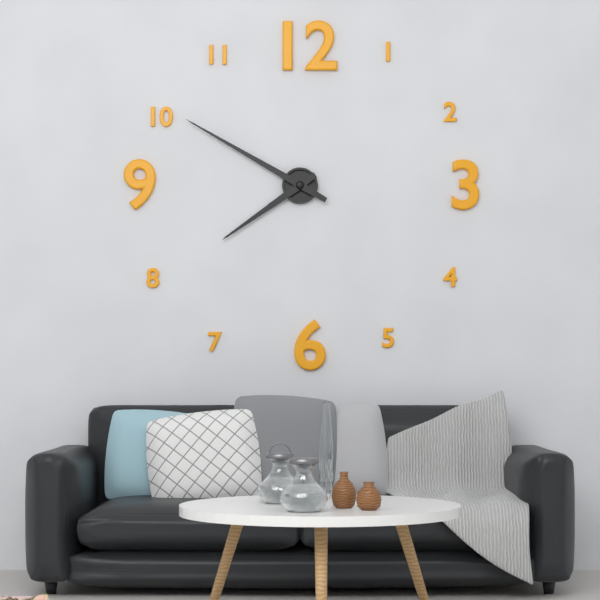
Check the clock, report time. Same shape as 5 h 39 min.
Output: 7 h 50 min
